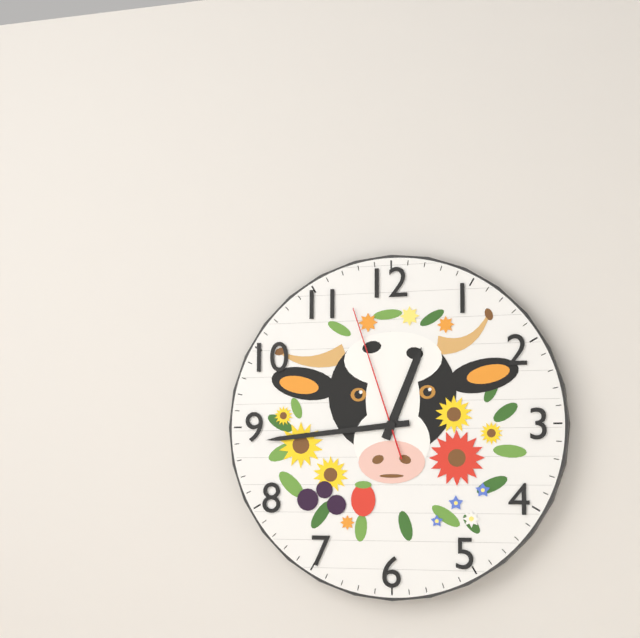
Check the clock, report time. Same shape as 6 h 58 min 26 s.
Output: 12 h 44 min 57 s
